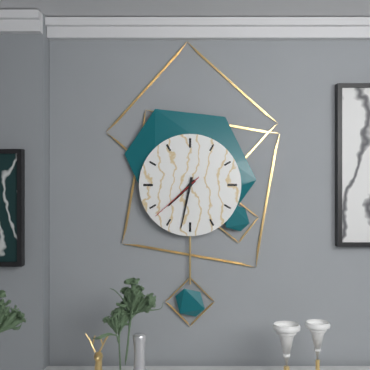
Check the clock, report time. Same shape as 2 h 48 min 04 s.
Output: 7 h 32 min 38 s
